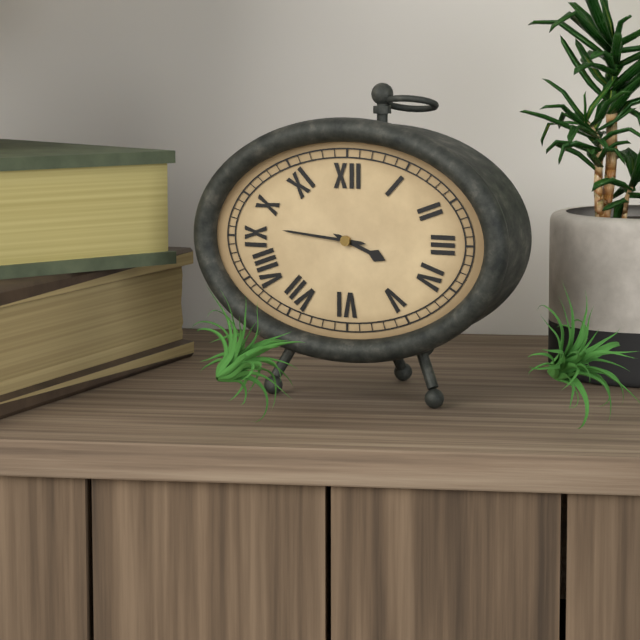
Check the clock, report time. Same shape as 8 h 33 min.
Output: 3 h 46 min
